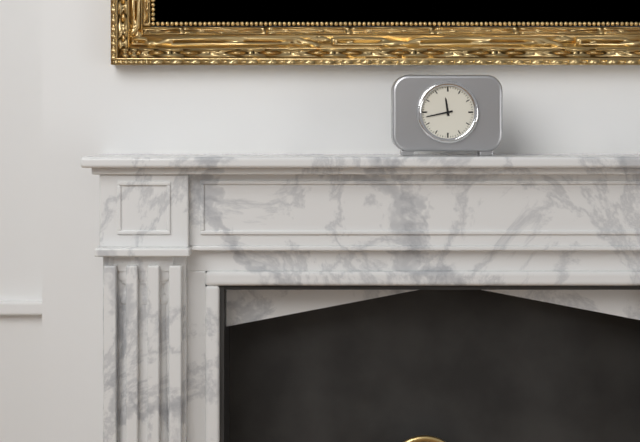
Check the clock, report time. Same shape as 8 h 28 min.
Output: 11 h 43 min
